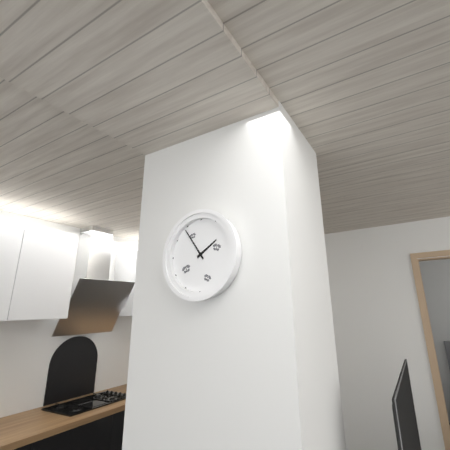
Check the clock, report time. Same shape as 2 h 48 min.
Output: 1 h 54 min
